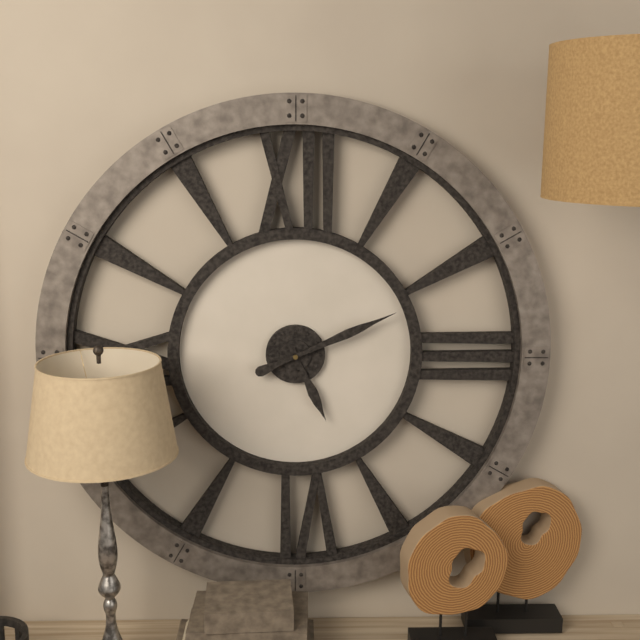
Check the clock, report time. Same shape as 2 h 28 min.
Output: 5 h 11 min
